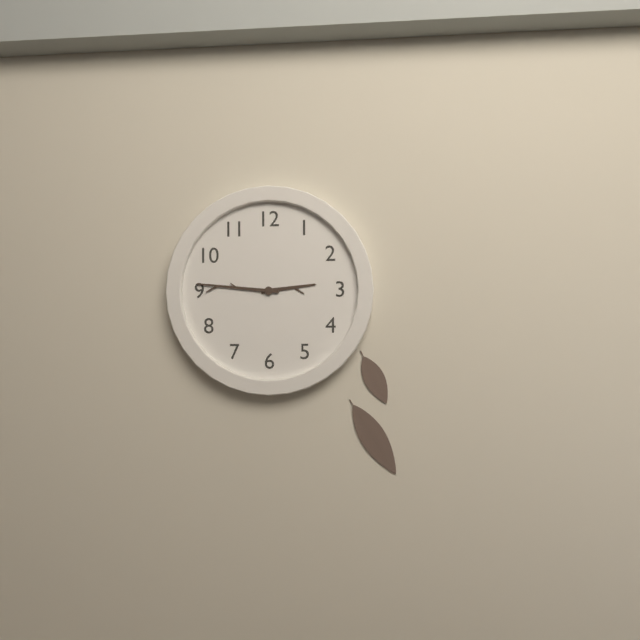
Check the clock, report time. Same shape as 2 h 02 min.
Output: 2 h 46 min
